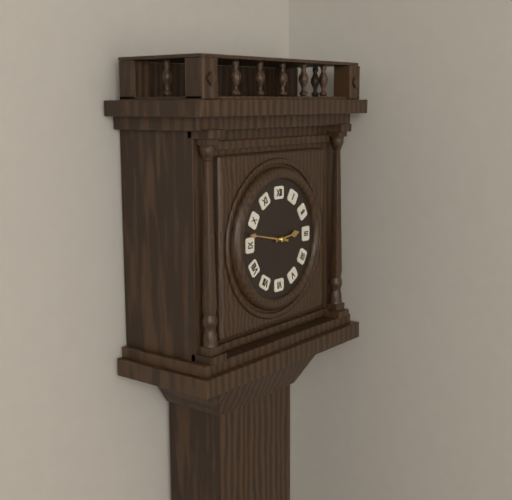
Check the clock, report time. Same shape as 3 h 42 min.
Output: 2 h 47 min
